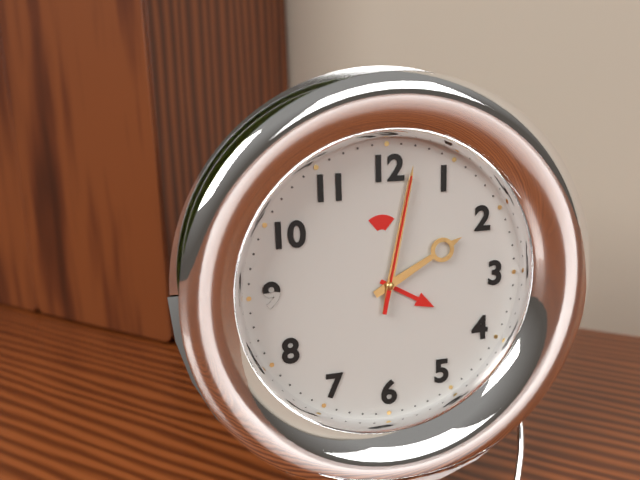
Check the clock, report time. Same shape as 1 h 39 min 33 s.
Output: 2 h 02 min 02 s
